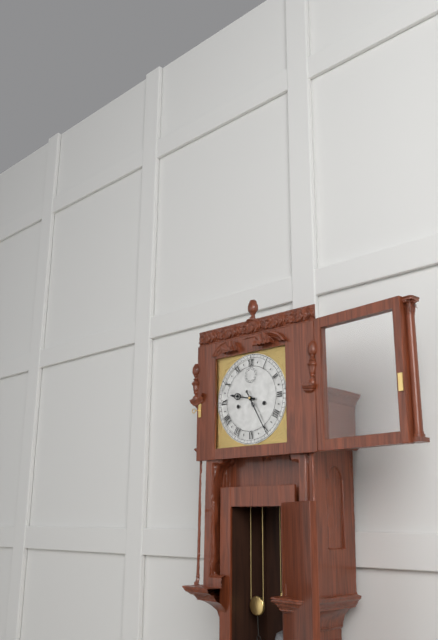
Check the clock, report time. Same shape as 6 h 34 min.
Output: 9 h 25 min
